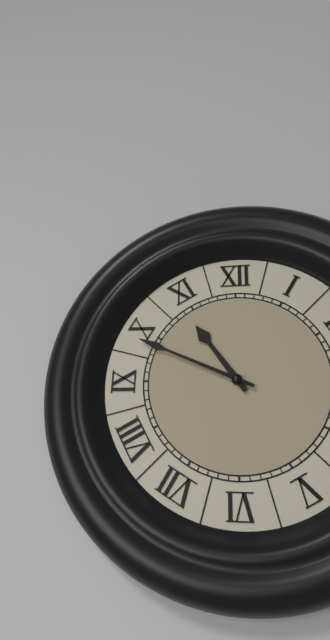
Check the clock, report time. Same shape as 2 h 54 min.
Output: 10 h 49 min
